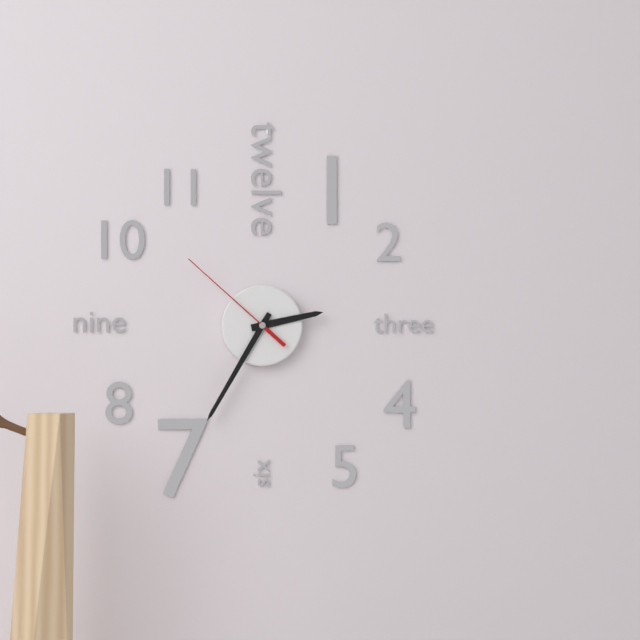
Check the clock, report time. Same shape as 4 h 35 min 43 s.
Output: 2 h 35 min 52 s
